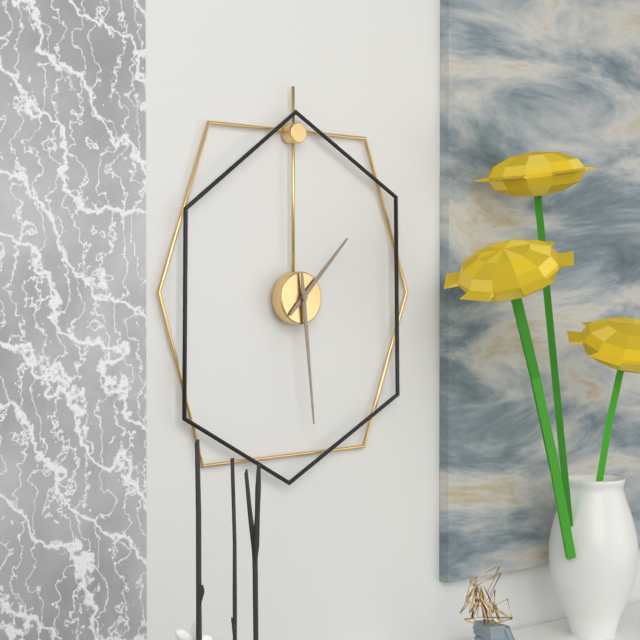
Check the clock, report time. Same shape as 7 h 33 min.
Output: 1 h 29 min
